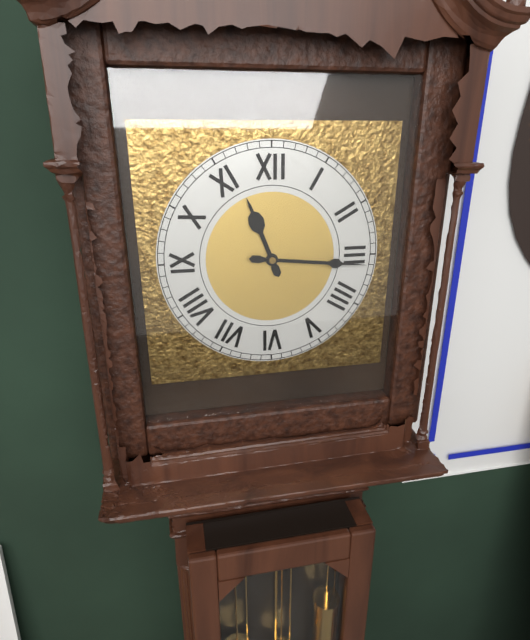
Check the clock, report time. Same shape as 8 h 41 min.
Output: 11 h 16 min
